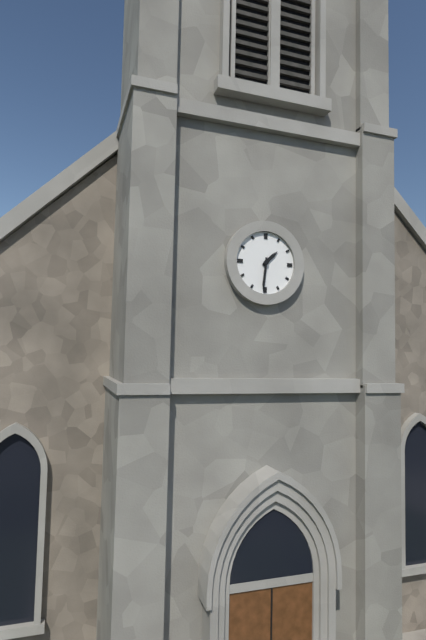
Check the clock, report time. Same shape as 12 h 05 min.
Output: 1 h 31 min
